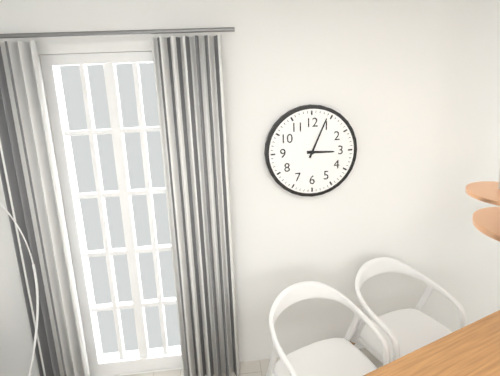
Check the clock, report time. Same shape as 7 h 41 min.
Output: 3 h 04 min
